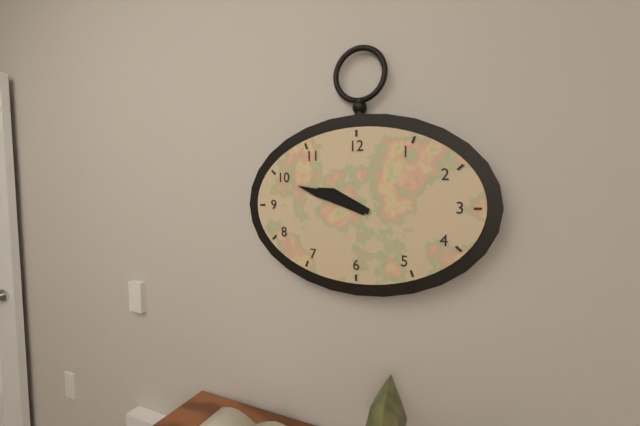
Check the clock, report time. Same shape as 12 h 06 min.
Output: 9 h 48 min
